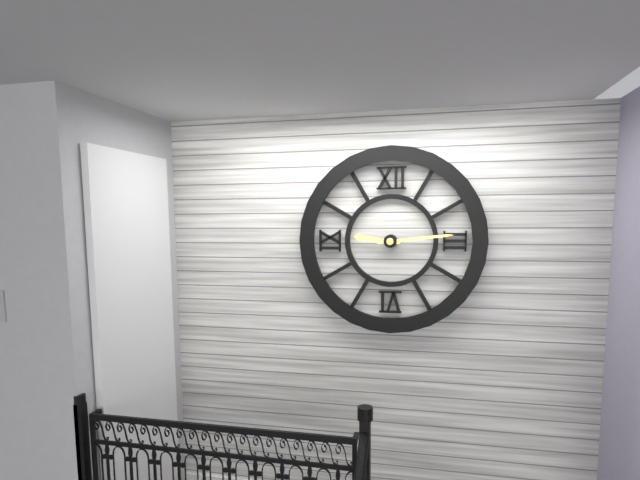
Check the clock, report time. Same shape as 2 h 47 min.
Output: 9 h 14 min
